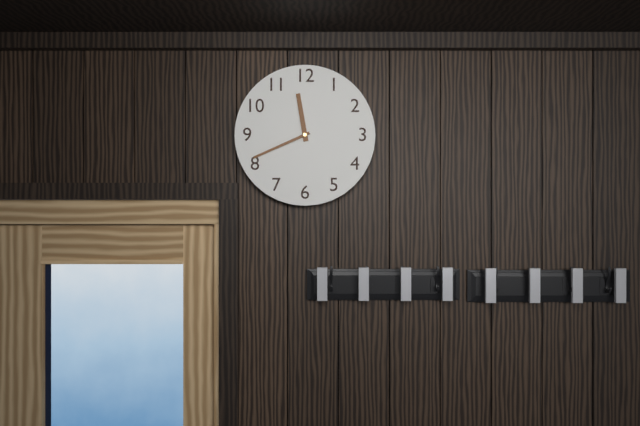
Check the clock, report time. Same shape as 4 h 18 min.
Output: 11 h 41 min
